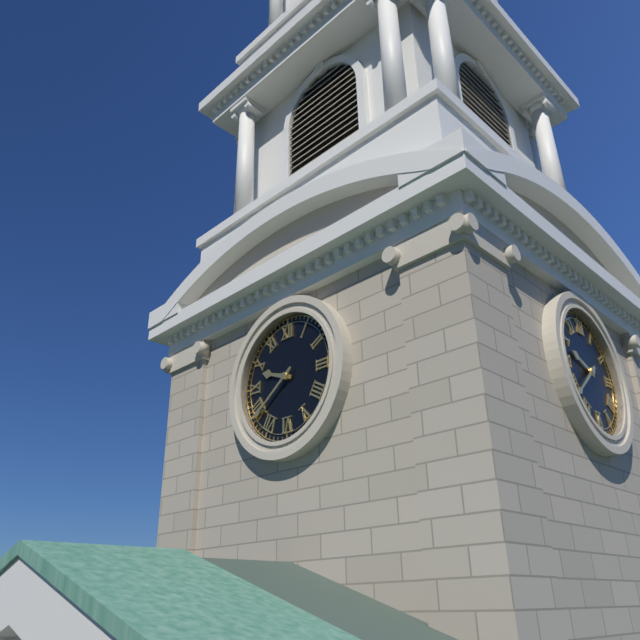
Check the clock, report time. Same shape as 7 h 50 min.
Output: 9 h 39 min
